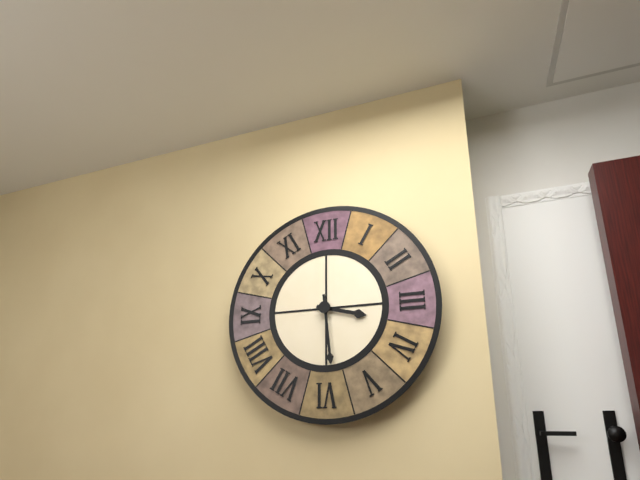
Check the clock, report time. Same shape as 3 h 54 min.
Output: 3 h 29 min
